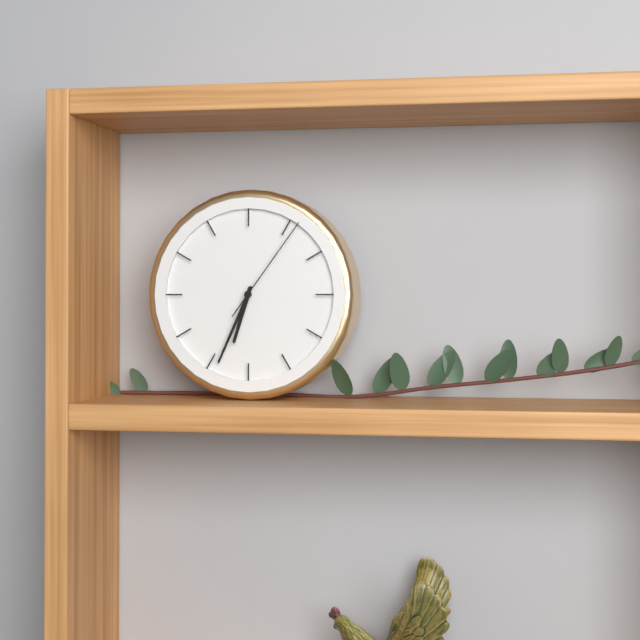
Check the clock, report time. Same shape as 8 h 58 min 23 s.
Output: 6 h 34 min 06 s
